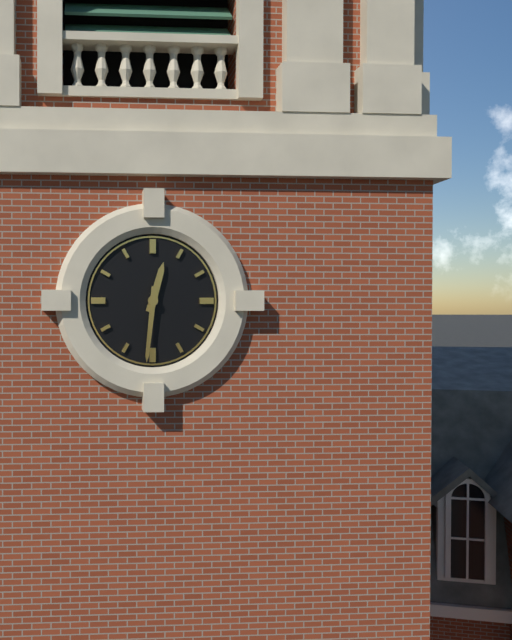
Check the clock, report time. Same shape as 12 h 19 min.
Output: 12 h 31 min
